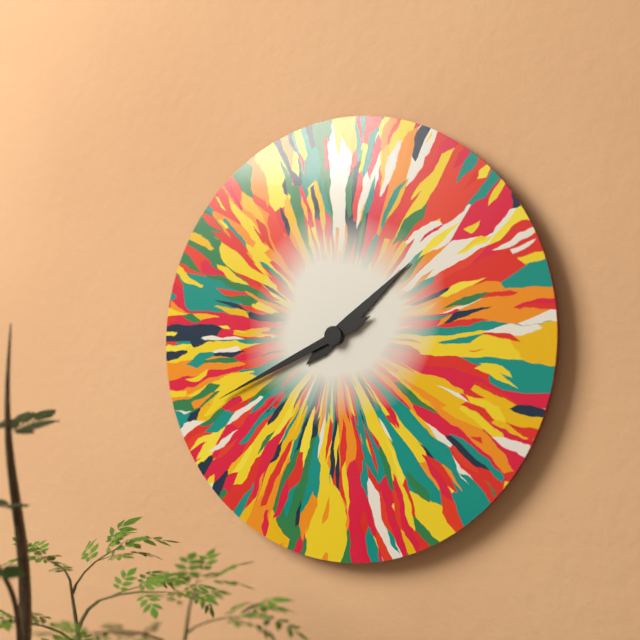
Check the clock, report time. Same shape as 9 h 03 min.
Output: 1 h 41 min
